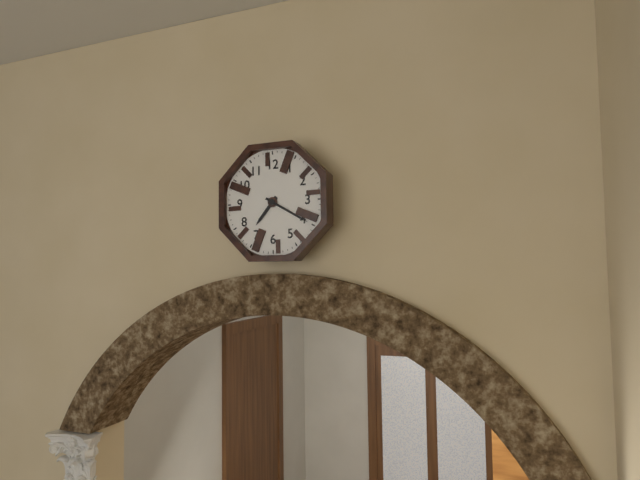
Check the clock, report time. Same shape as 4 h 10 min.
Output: 7 h 20 min
